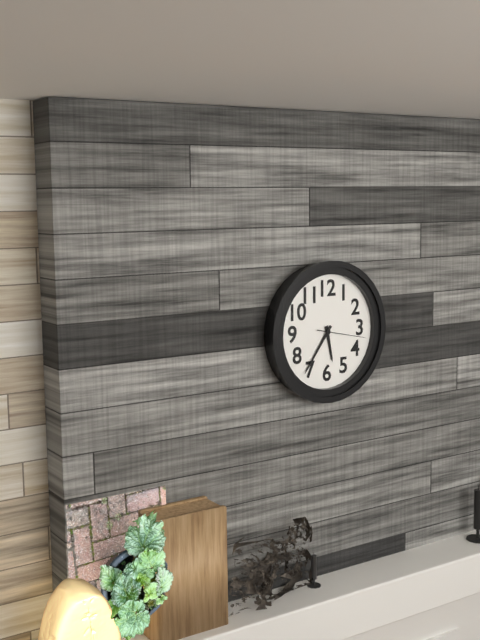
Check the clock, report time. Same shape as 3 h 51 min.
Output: 5 h 36 min
